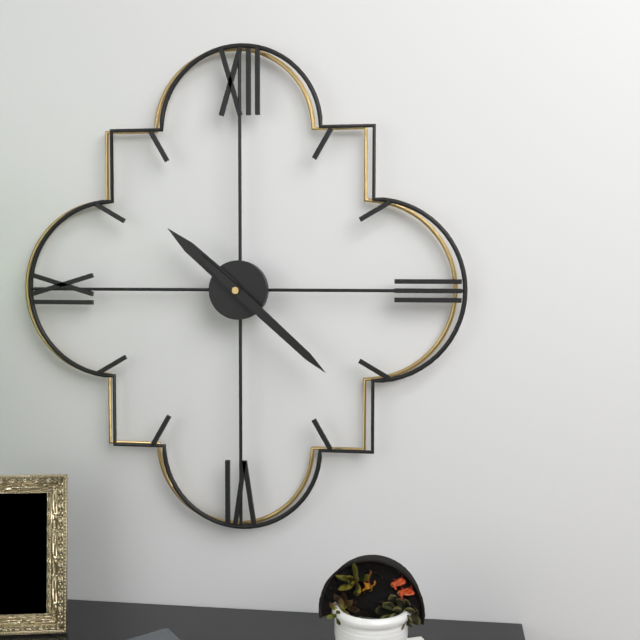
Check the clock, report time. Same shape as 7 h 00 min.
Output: 10 h 22 min
